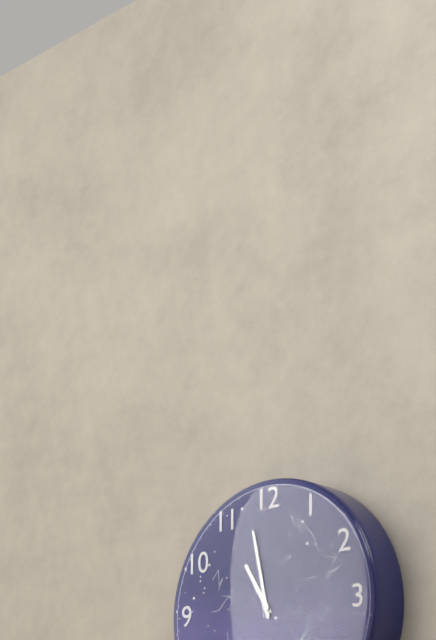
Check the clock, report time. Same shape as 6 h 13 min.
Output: 10 h 58 min
